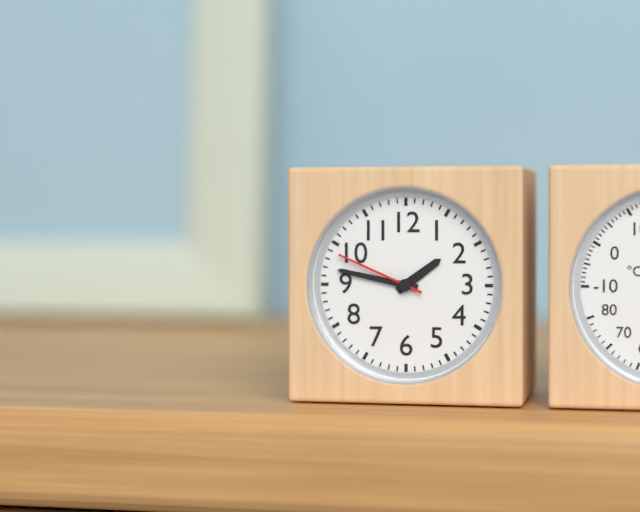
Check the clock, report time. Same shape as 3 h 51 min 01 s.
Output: 1 h 47 min 49 s
